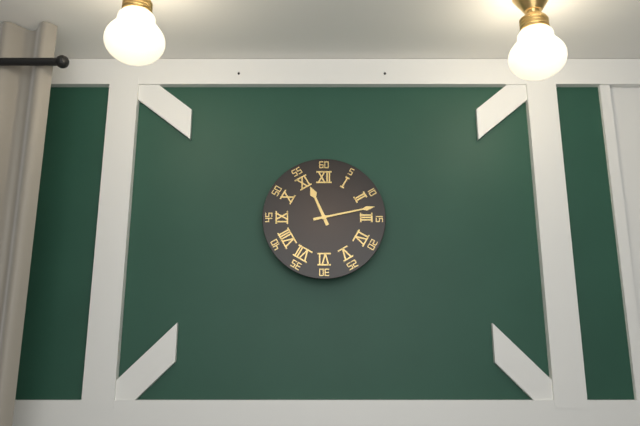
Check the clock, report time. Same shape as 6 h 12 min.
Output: 11 h 13 min
